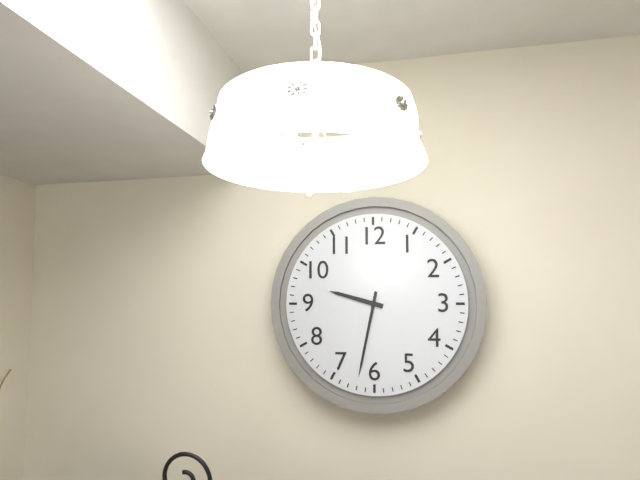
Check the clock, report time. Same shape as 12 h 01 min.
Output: 9 h 32 min
